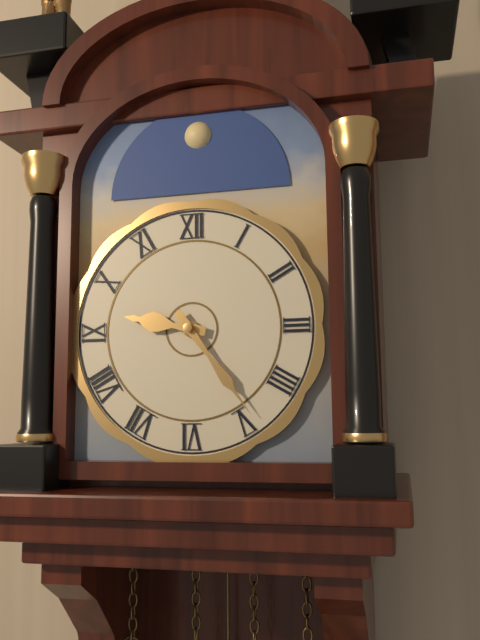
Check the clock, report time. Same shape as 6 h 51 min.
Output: 9 h 24 min
